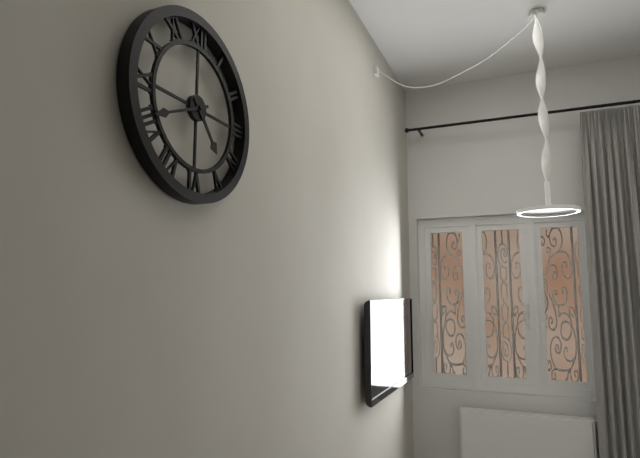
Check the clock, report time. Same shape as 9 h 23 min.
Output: 4 h 41 min
